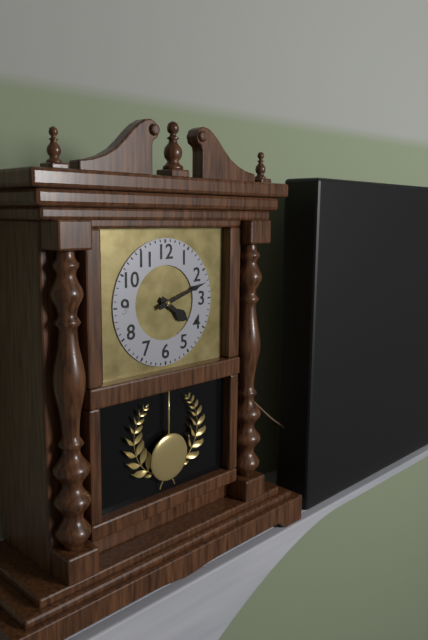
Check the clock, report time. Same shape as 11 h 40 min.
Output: 4 h 12 min
